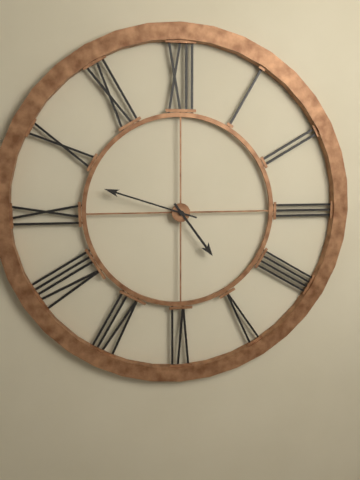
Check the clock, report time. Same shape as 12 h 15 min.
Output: 4 h 48 min
